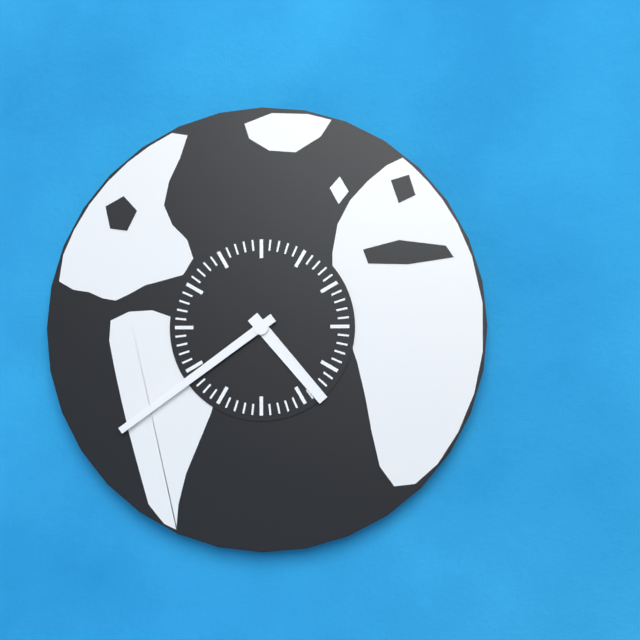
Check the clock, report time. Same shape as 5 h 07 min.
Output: 4 h 39 min
